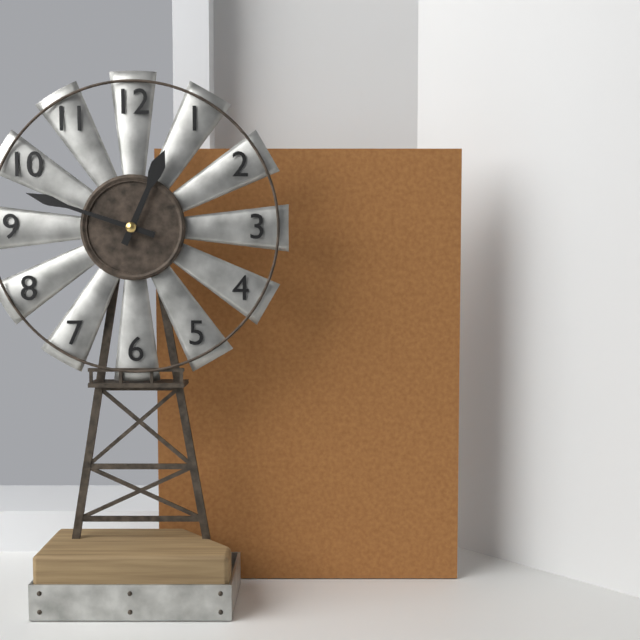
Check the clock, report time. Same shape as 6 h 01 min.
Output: 12 h 48 min
